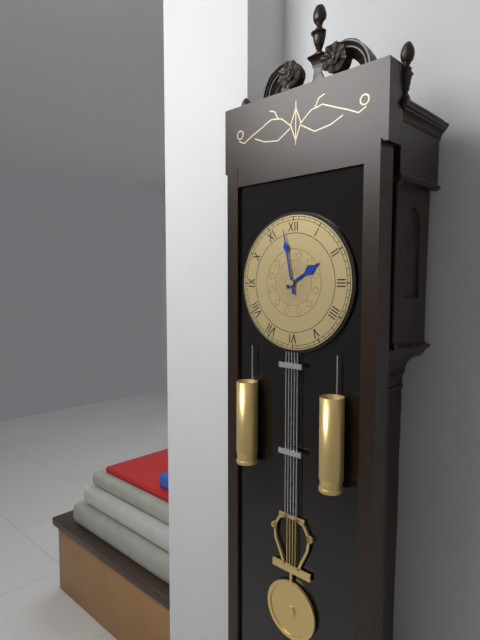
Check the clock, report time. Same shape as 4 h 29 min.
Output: 1 h 58 min
